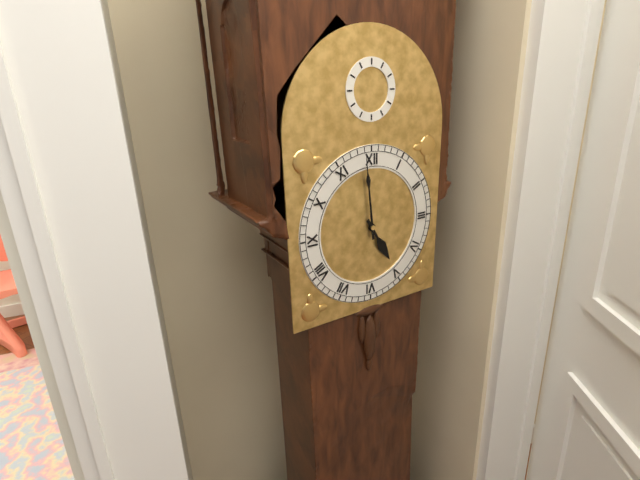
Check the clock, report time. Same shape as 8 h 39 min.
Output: 4 h 59 min
